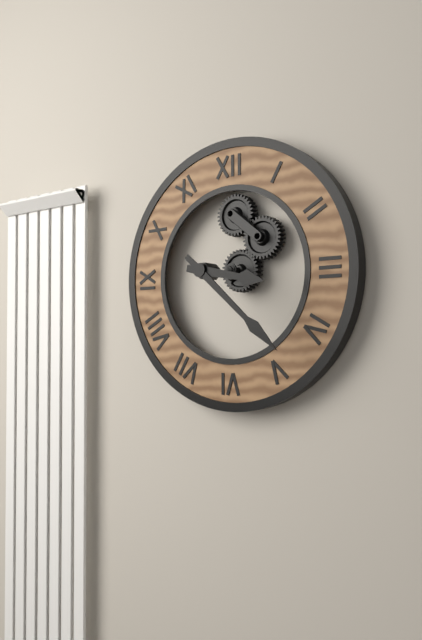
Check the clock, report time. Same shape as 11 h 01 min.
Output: 3 h 22 min
